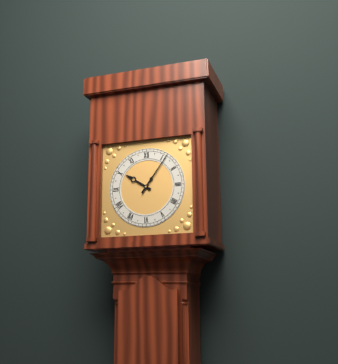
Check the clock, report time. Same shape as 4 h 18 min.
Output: 10 h 06 min
